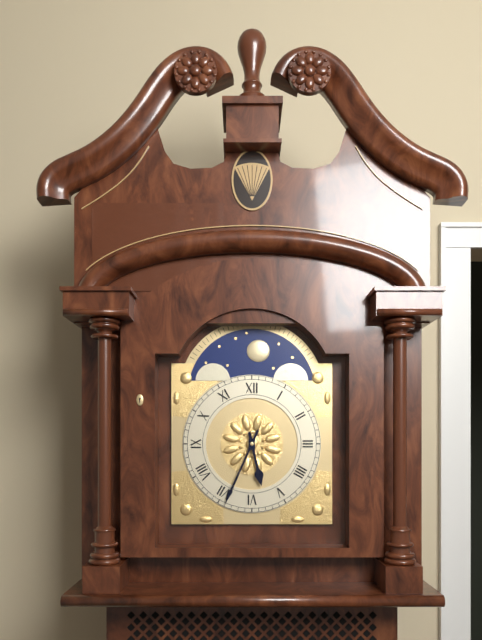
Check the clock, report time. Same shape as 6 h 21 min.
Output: 5 h 34 min
